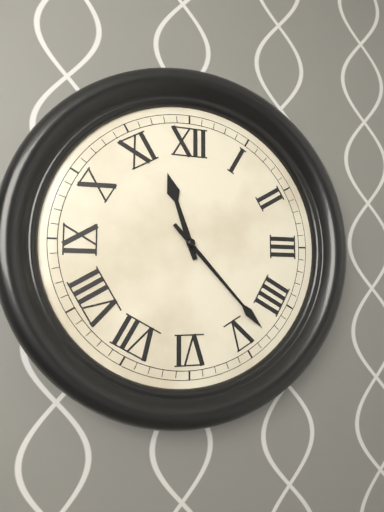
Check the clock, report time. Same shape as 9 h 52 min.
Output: 11 h 23 min
